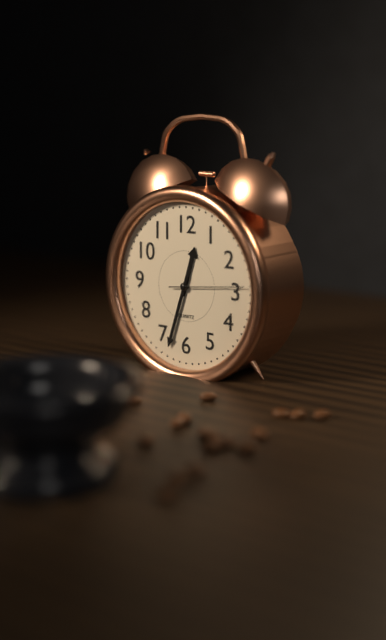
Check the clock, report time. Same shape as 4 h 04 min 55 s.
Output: 12 h 33 min 14 s
